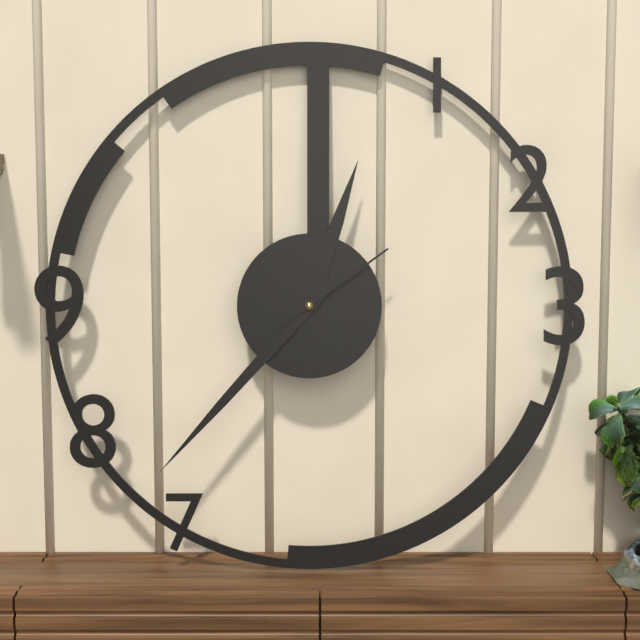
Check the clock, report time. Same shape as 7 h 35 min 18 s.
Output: 12 h 37 min 09 s
